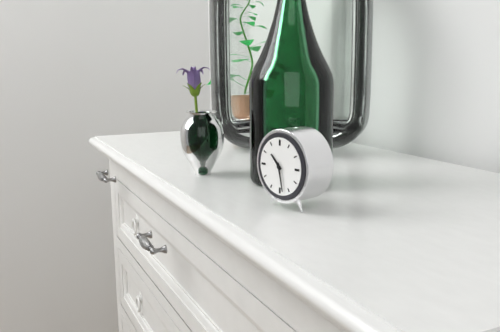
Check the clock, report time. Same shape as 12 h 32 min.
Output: 10 h 28 min
